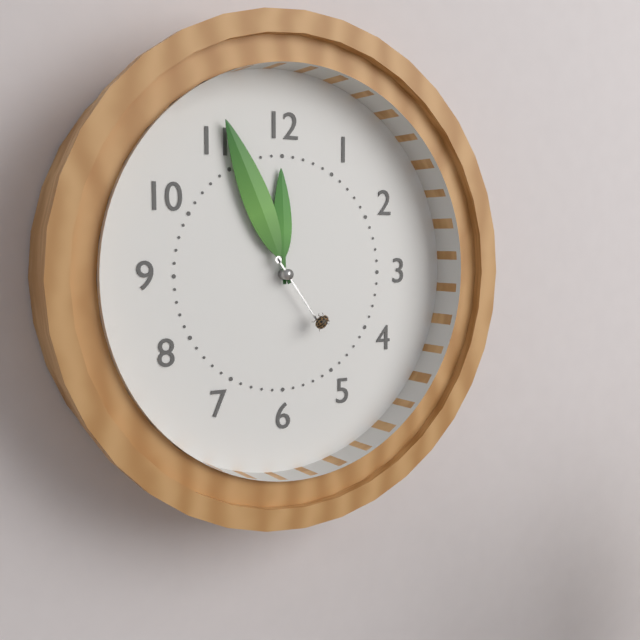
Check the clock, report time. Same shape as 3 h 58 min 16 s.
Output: 11 h 56 min 24 s
